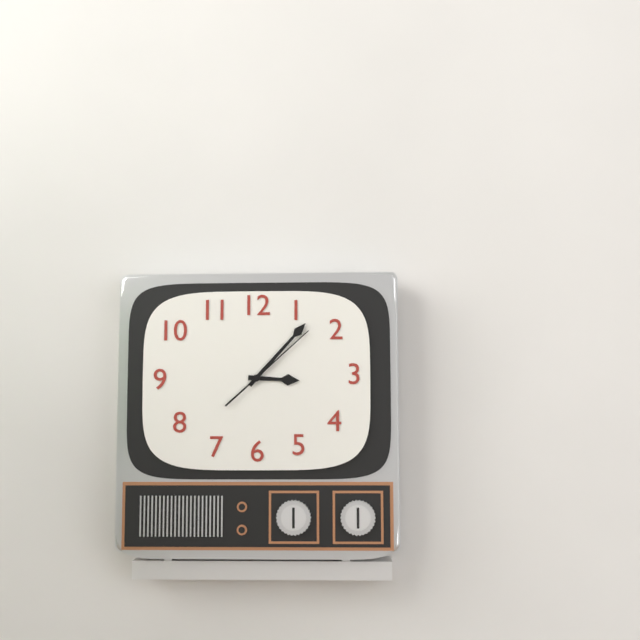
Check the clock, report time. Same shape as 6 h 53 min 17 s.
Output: 3 h 07 min 08 s
